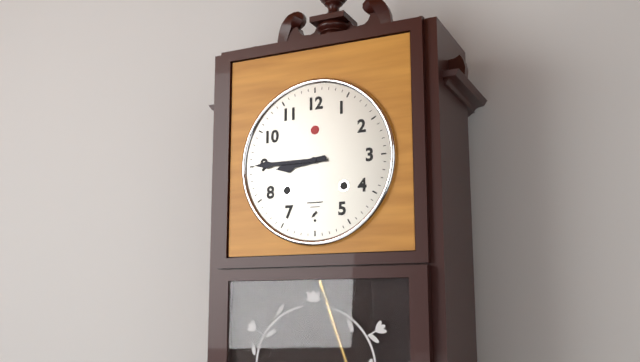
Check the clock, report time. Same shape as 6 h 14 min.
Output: 8 h 45 min
